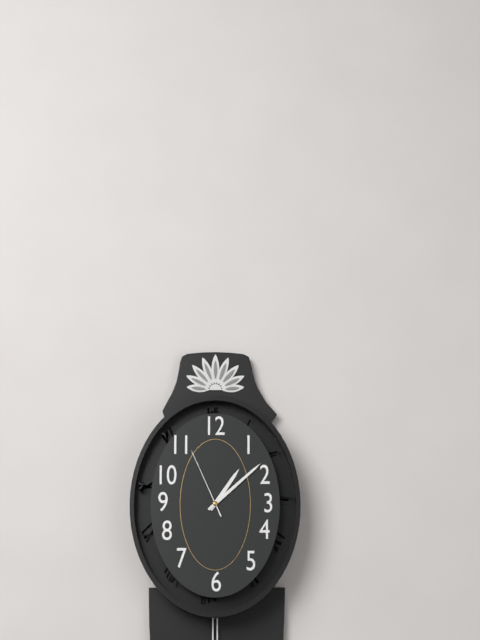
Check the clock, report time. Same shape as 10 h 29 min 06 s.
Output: 1 h 08 min 56 s
